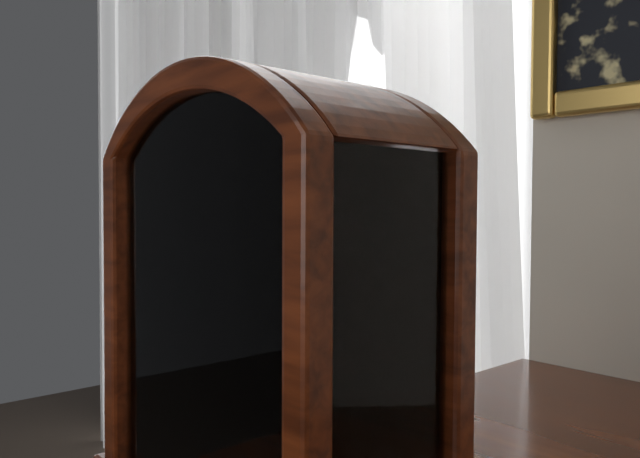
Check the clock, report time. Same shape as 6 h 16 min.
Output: 7 h 07 min
